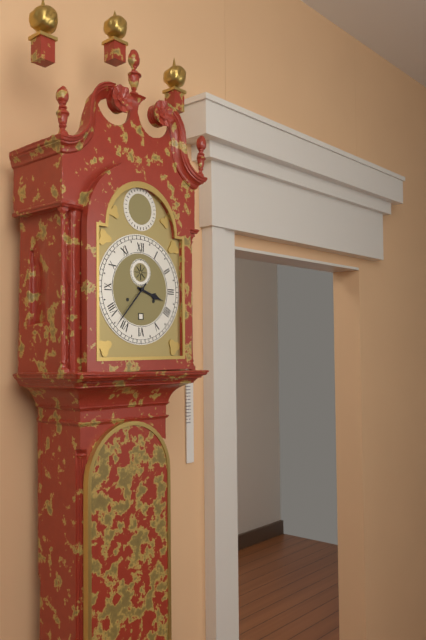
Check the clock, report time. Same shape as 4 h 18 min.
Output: 3 h 37 min
